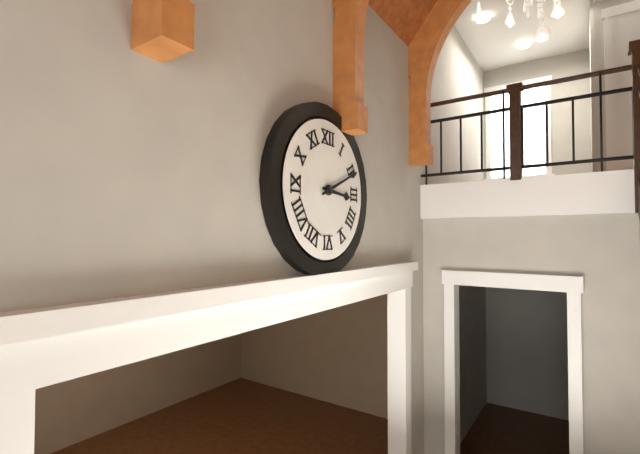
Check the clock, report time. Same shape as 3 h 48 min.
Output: 3 h 11 min
